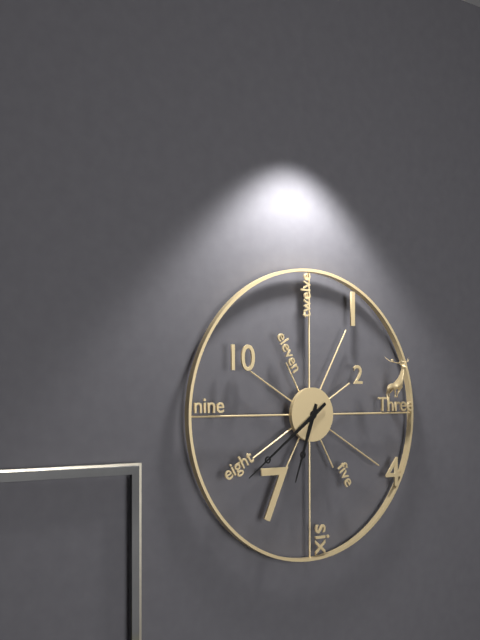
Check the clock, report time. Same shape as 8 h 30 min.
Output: 6 h 39 min
